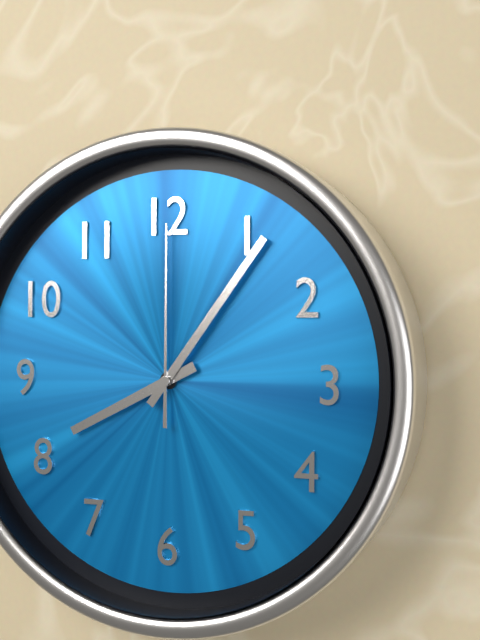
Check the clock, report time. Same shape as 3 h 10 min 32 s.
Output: 8 h 06 min 00 s
